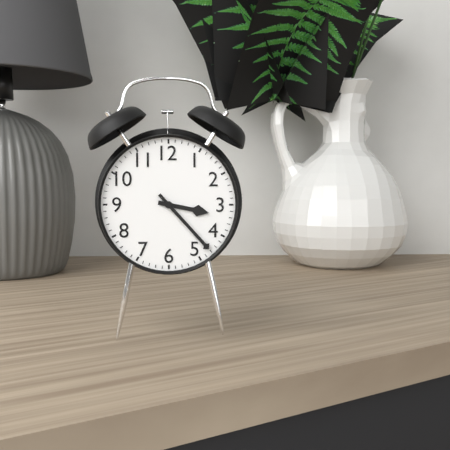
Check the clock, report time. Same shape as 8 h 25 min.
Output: 3 h 23 min
